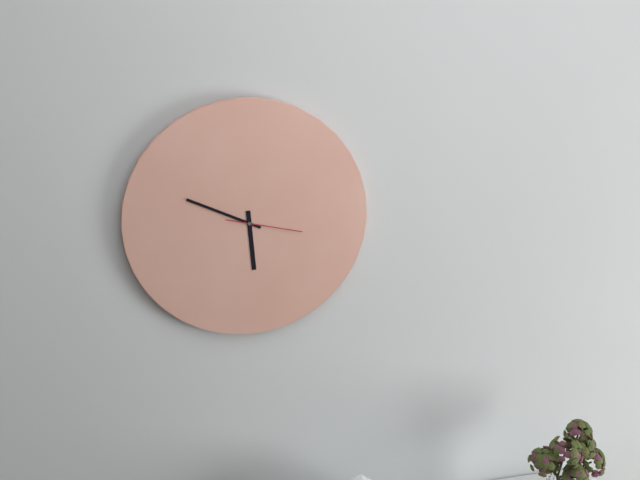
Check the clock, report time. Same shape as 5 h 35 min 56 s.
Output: 5 h 49 min 17 s
